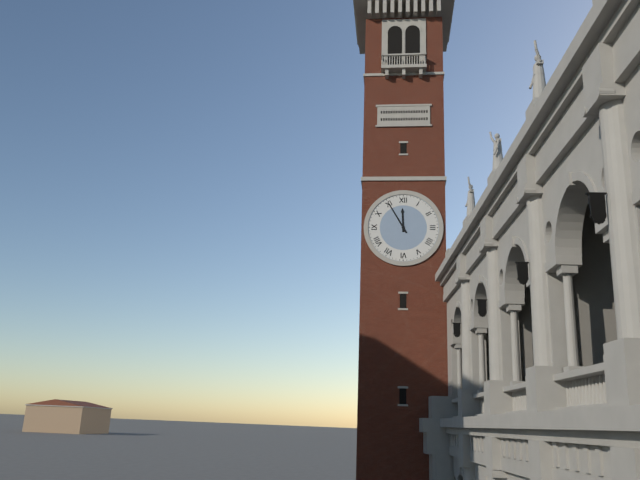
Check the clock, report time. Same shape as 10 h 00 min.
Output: 11 h 55 min
